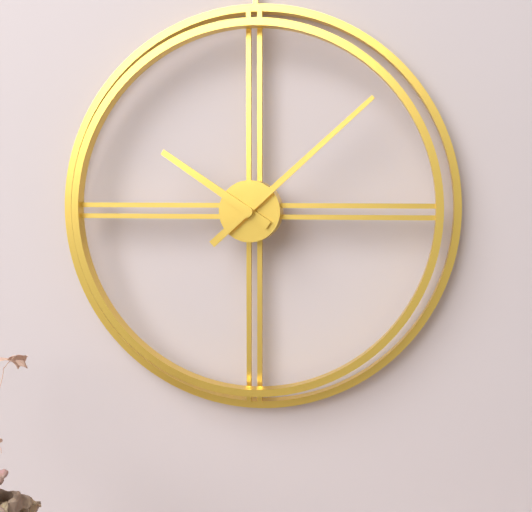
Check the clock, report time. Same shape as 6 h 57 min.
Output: 10 h 08 min
